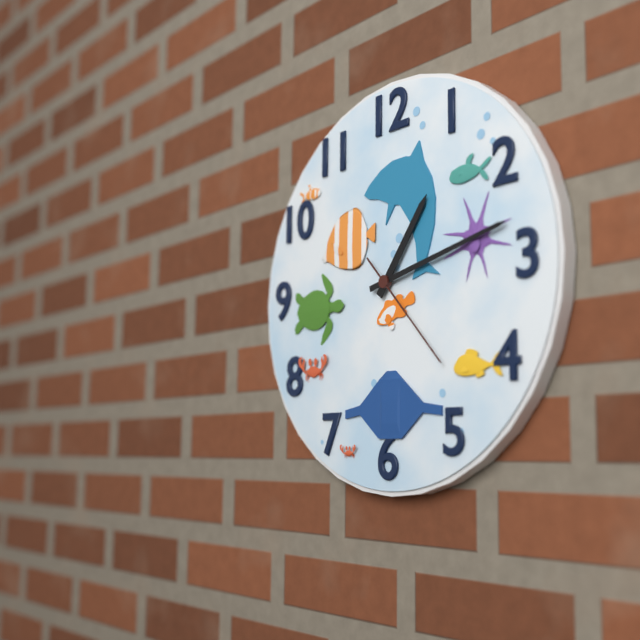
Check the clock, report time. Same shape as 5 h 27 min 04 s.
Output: 1 h 13 min 23 s
